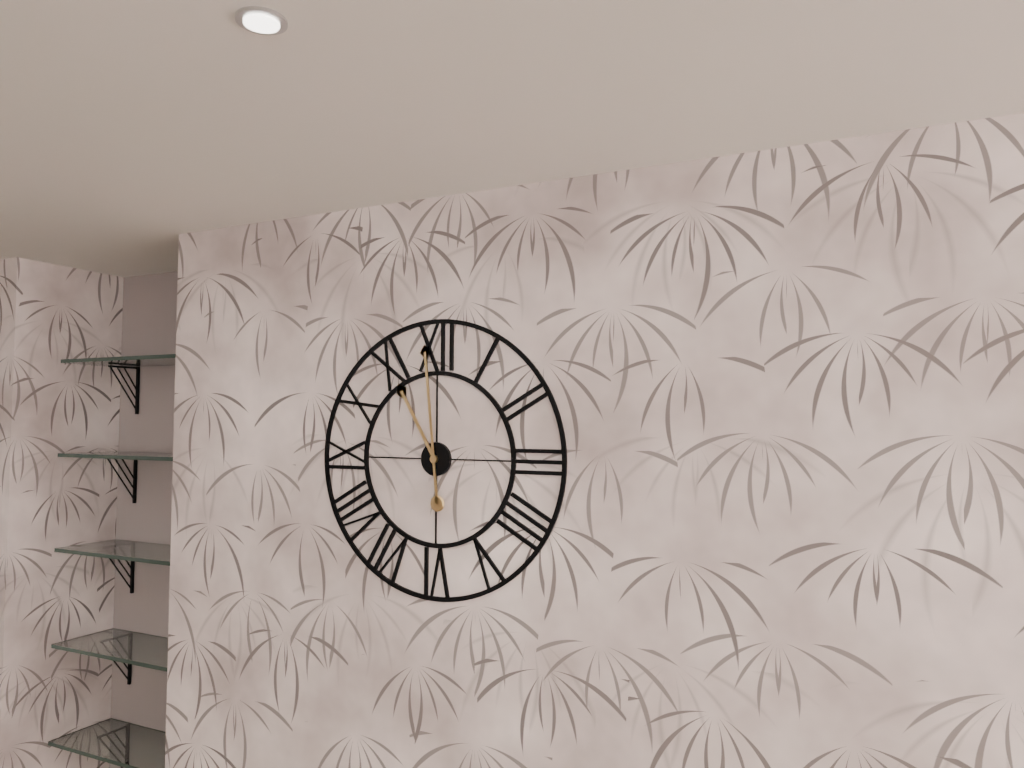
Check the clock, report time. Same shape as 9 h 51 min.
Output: 10 h 59 min
